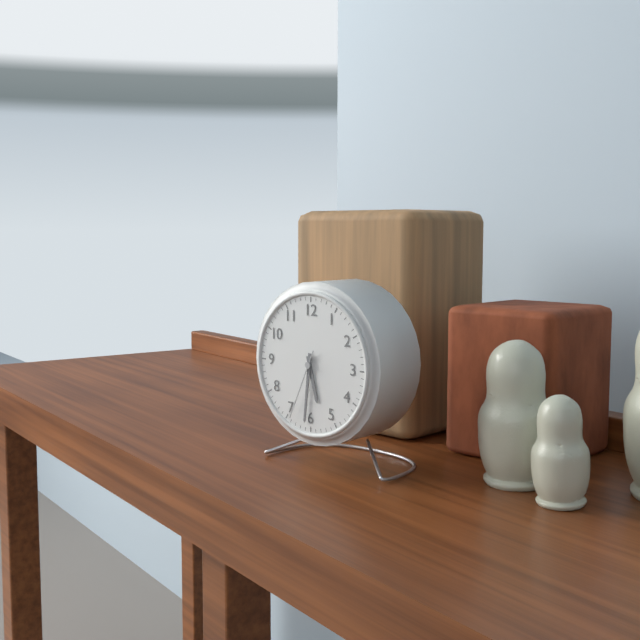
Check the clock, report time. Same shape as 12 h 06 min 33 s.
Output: 5 h 31 min 34 s
